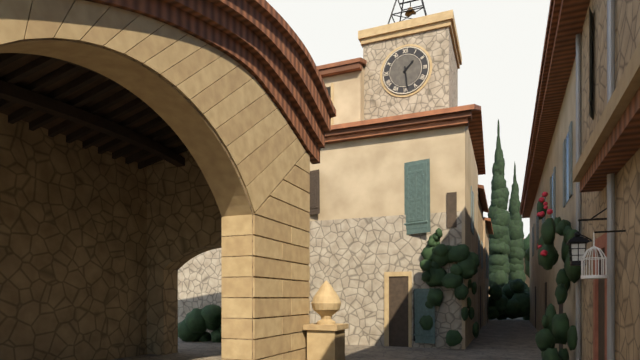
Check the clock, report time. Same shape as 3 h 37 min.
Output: 1 h 29 min
